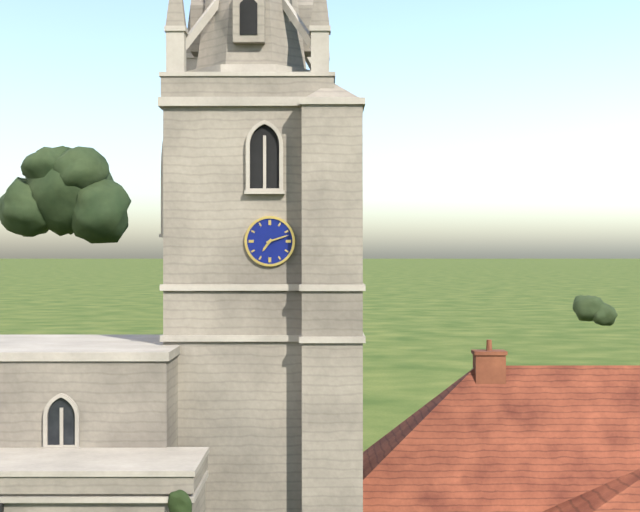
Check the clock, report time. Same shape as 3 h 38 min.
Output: 7 h 12 min
